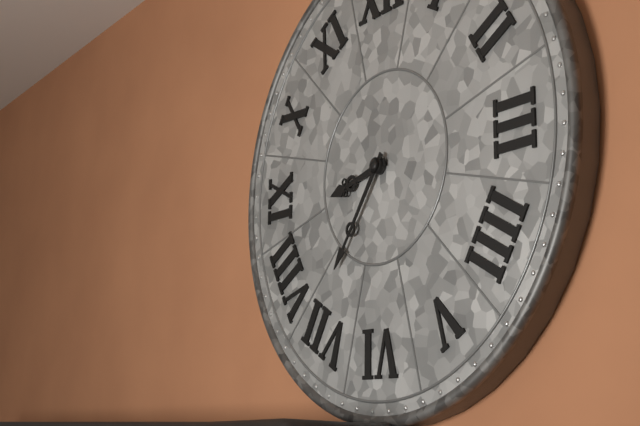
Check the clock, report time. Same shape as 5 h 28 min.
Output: 8 h 36 min
